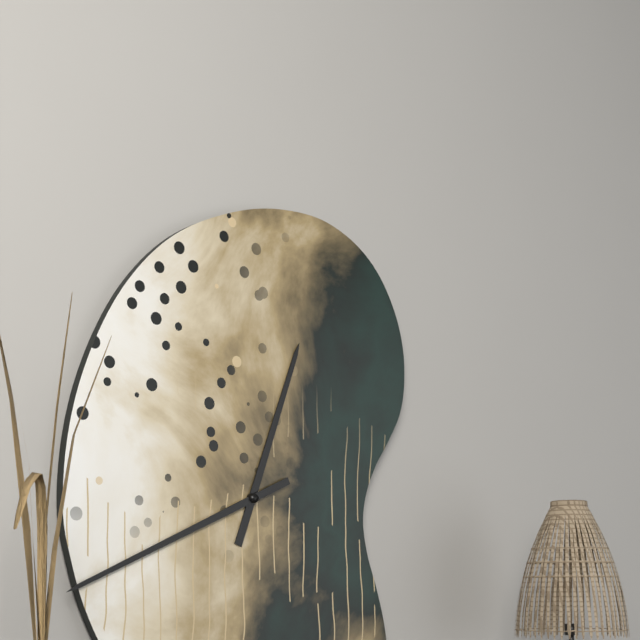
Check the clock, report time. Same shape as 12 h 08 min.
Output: 12 h 41 min
